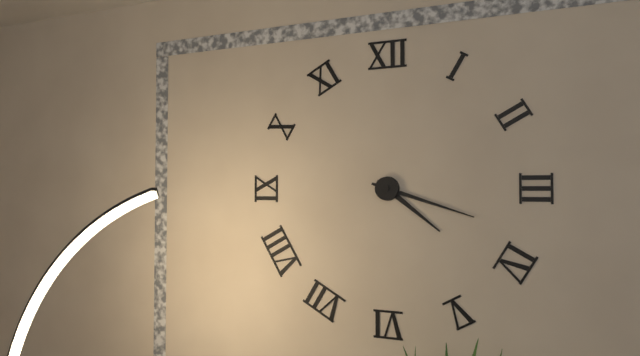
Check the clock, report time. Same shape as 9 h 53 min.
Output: 4 h 18 min
